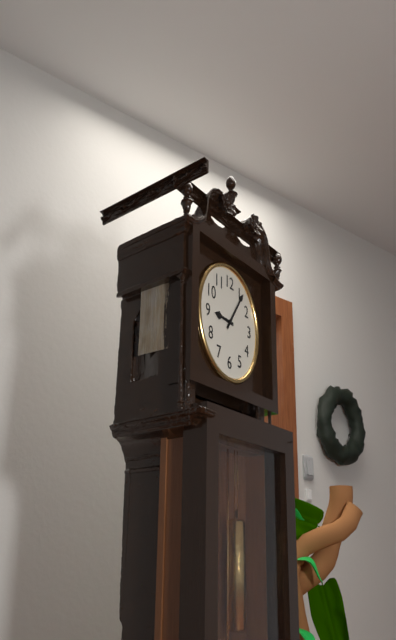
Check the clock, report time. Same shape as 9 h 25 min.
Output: 9 h 06 min
